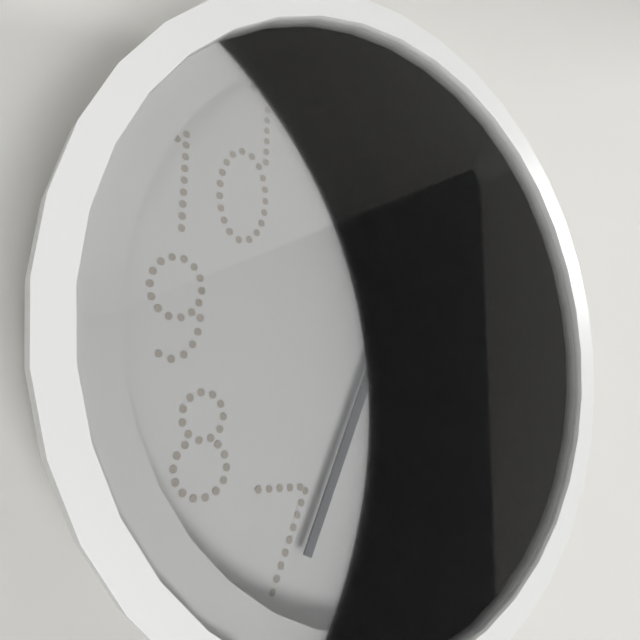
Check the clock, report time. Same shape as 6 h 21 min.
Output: 12 h 34 min
